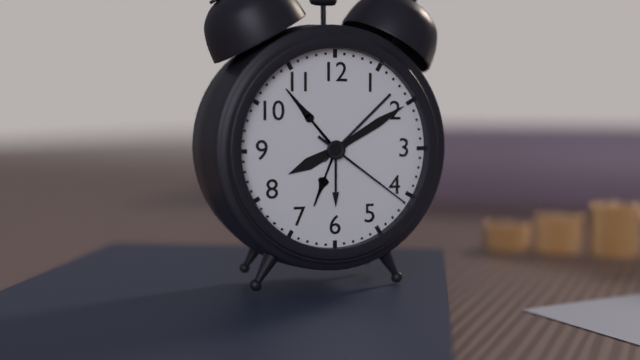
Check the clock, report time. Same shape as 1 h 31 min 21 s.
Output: 8 h 10 min 21 s
